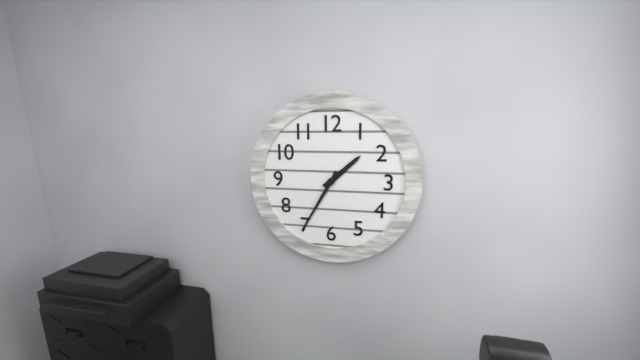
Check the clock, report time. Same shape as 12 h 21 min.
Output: 1 h 35 min
